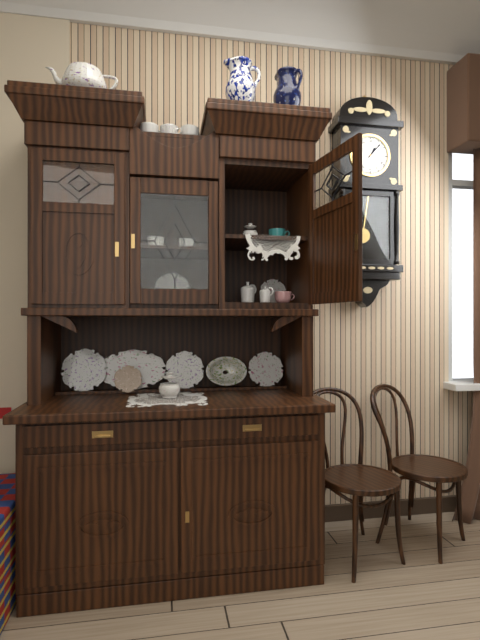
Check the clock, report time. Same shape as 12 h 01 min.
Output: 1 h 07 min
